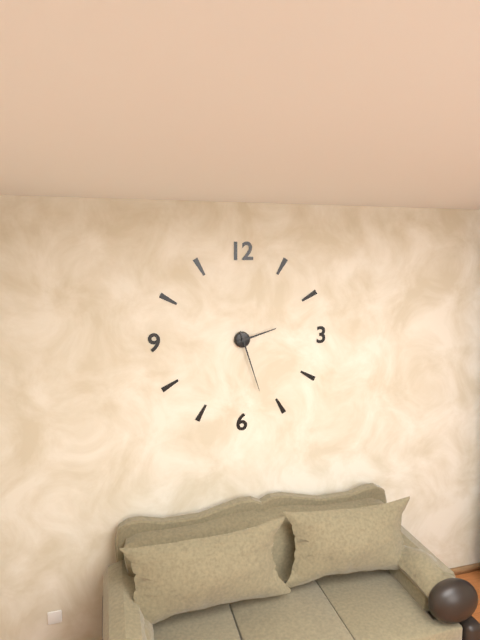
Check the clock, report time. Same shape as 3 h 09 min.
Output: 2 h 27 min
